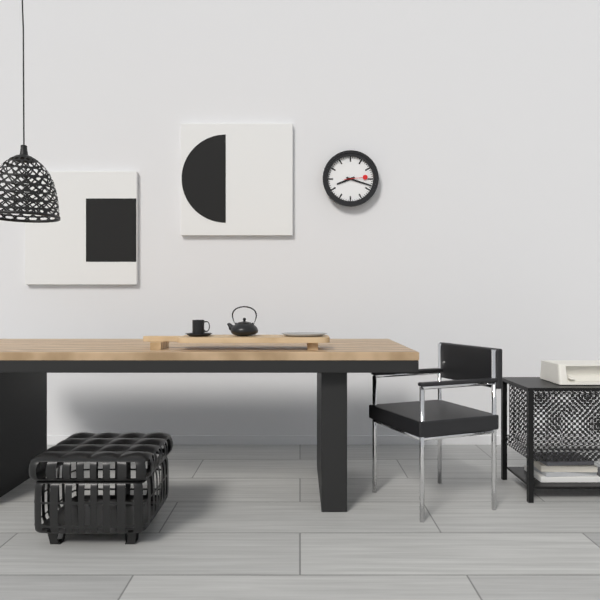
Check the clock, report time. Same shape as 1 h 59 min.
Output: 8 h 18 min
